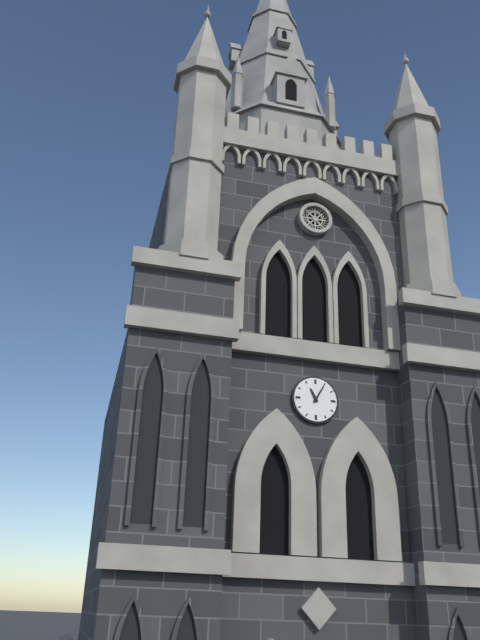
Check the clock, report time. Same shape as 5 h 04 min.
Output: 11 h 05 min
